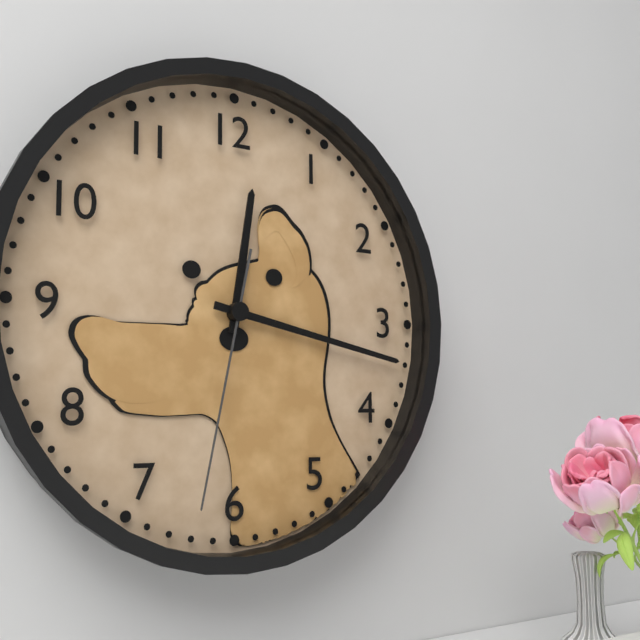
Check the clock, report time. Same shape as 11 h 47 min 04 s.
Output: 12 h 17 min 32 s
